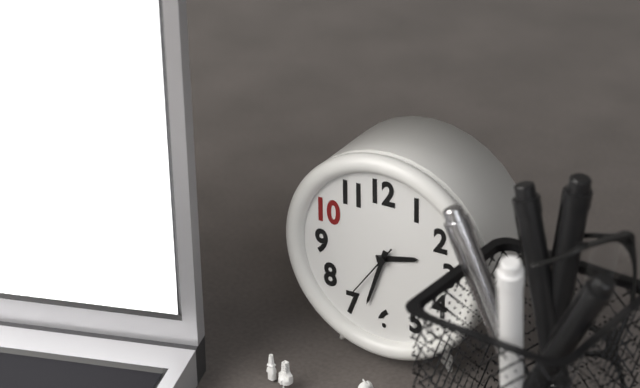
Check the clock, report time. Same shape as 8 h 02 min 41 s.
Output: 2 h 33 min 36 s
